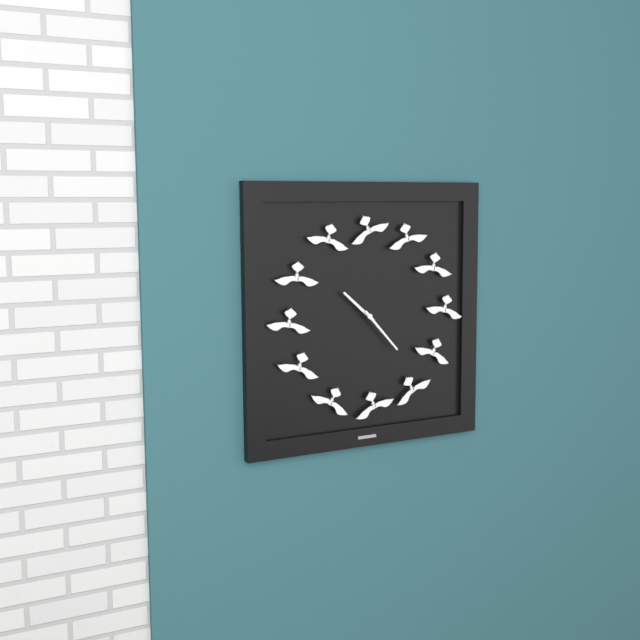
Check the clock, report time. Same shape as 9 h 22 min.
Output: 10 h 23 min
